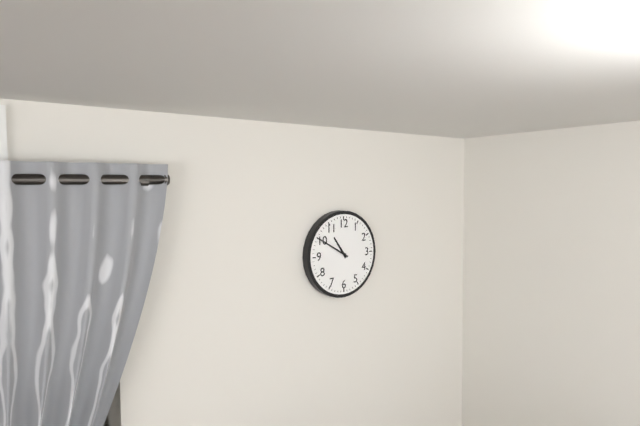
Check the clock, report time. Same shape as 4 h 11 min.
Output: 10 h 50 min
